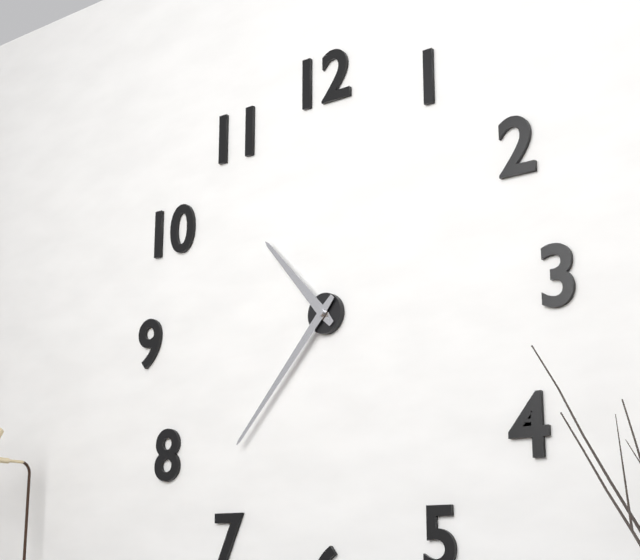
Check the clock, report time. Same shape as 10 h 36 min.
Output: 10 h 37 min
